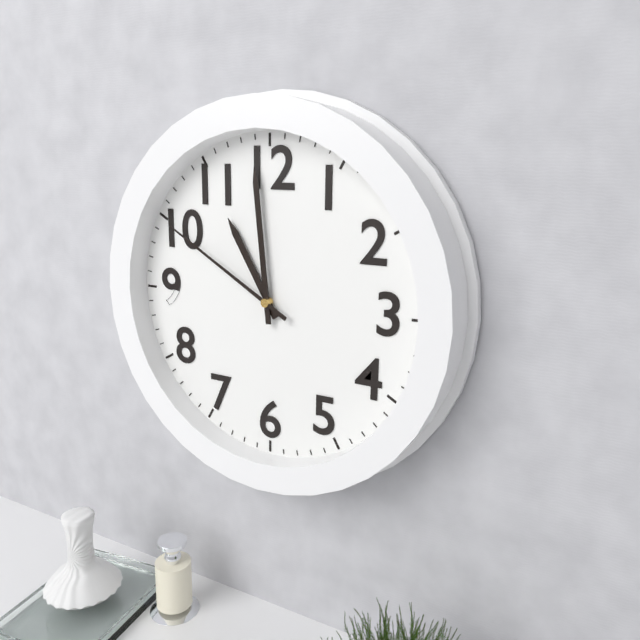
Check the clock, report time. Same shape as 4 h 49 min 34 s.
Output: 10 h 59 min 50 s
